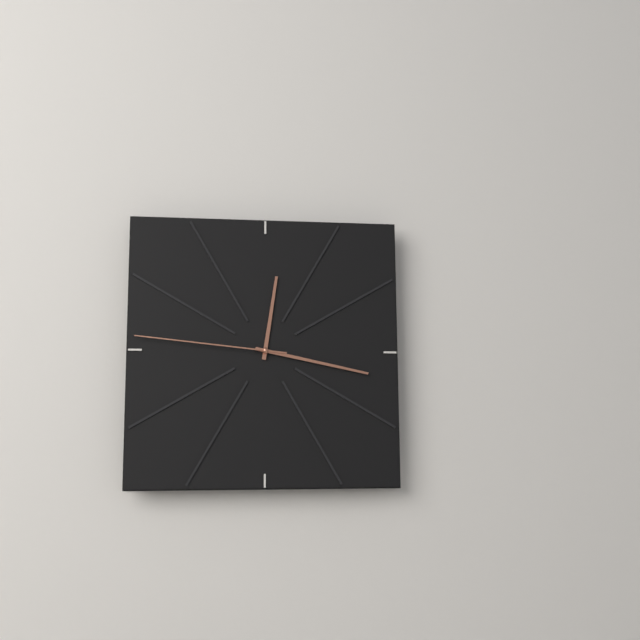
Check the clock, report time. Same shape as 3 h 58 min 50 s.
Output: 12 h 17 min 46 s
